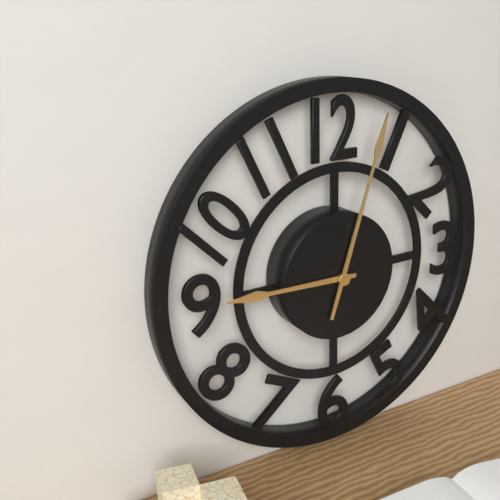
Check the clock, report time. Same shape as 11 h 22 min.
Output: 9 h 03 min
